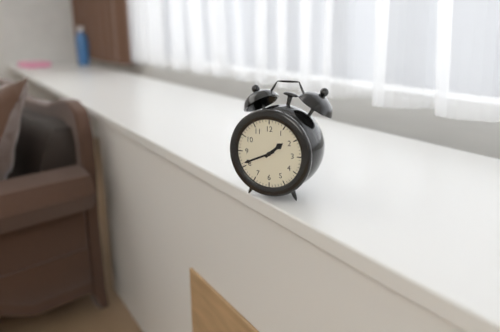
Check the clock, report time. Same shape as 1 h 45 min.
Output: 1 h 41 min
